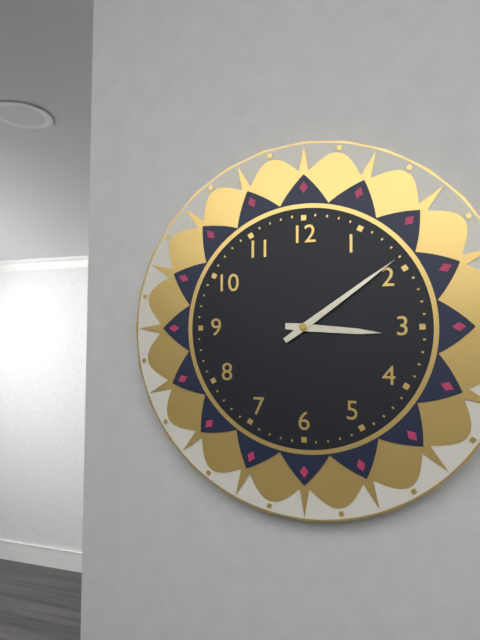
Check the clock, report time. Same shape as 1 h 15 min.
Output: 3 h 09 min
